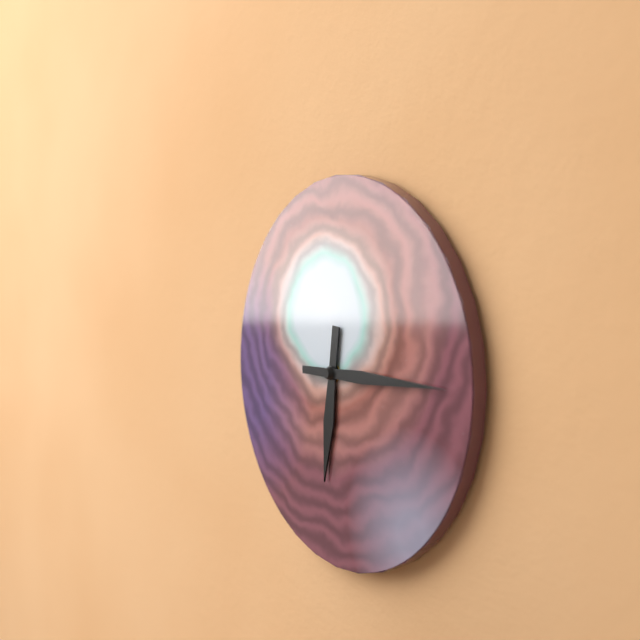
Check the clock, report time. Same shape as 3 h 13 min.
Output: 6 h 15 min
